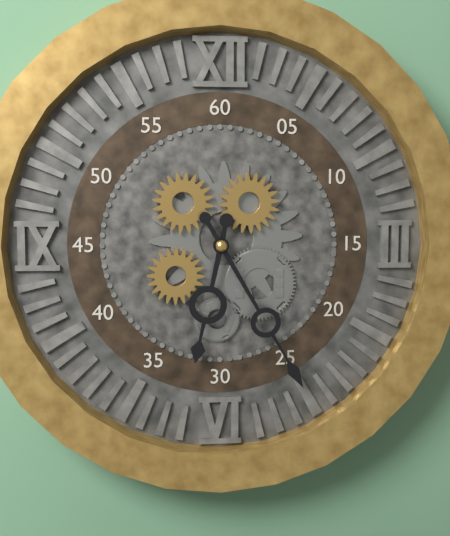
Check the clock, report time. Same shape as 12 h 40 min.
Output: 6 h 25 min
